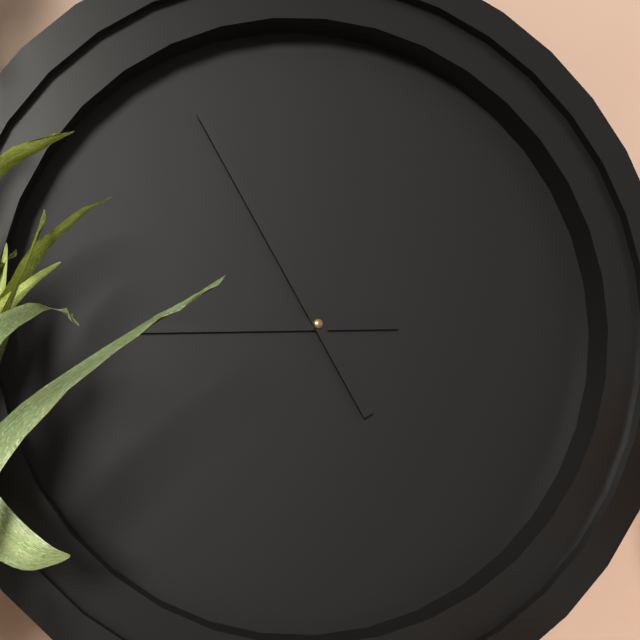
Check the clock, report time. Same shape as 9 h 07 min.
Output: 8 h 55 min
